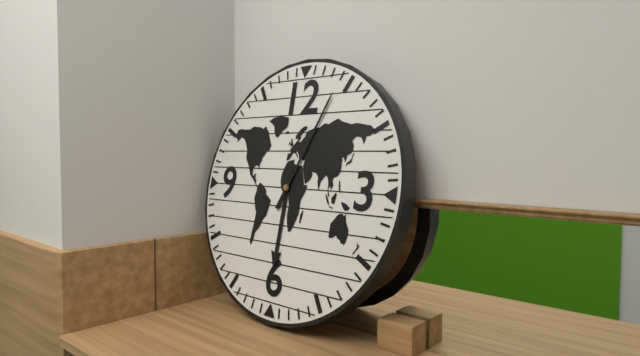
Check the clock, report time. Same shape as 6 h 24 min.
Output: 6 h 04 min
